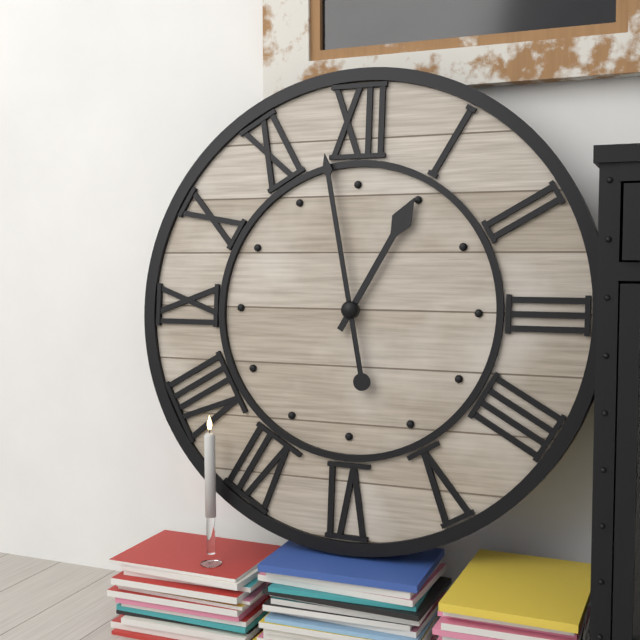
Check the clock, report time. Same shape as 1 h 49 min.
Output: 12 h 58 min
